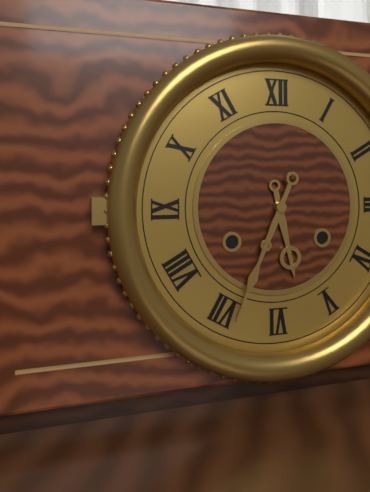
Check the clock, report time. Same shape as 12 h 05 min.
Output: 5 h 34 min
